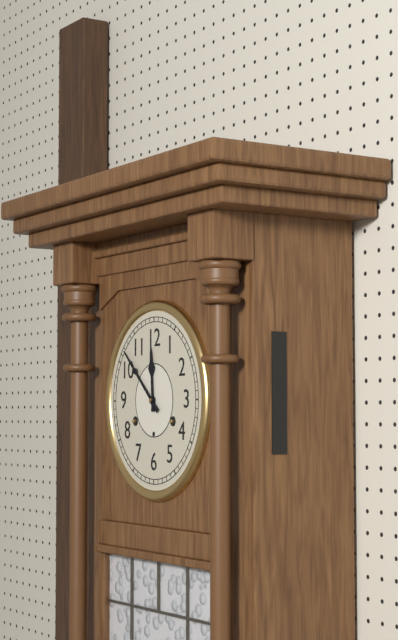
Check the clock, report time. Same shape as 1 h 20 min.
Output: 11 h 52 min
